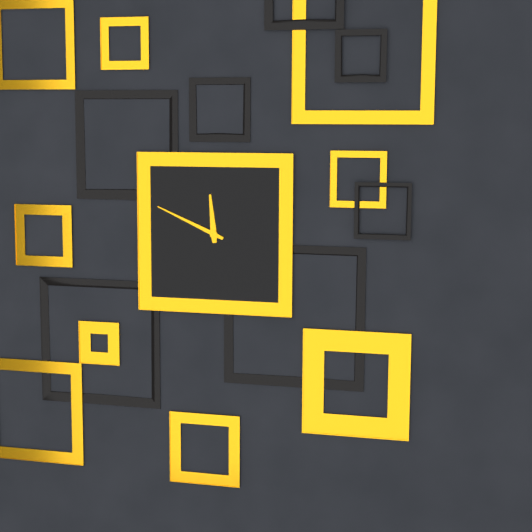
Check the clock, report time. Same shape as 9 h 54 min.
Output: 11 h 49 min
